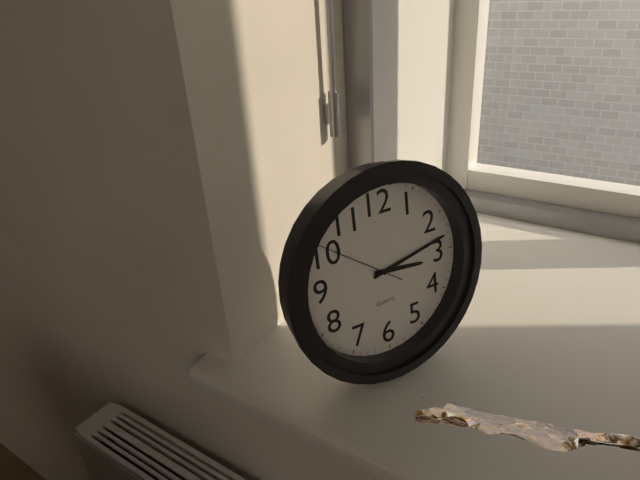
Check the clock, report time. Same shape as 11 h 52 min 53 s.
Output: 3 h 13 min 51 s
